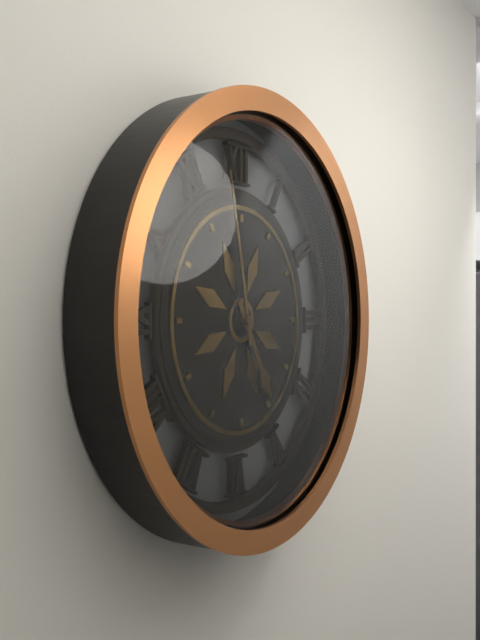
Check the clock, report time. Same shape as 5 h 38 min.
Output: 4 h 58 min
